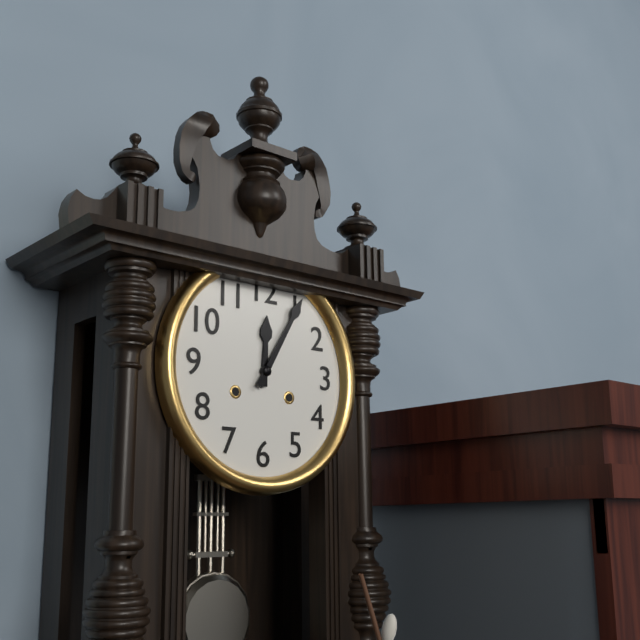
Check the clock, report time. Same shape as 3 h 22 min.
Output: 12 h 05 min
